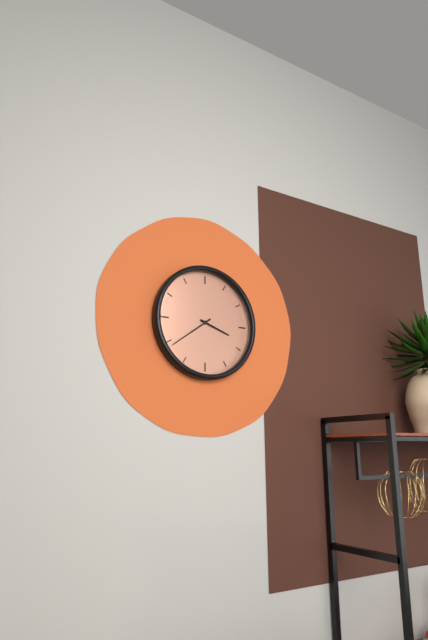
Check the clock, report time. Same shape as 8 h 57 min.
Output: 3 h 39 min
